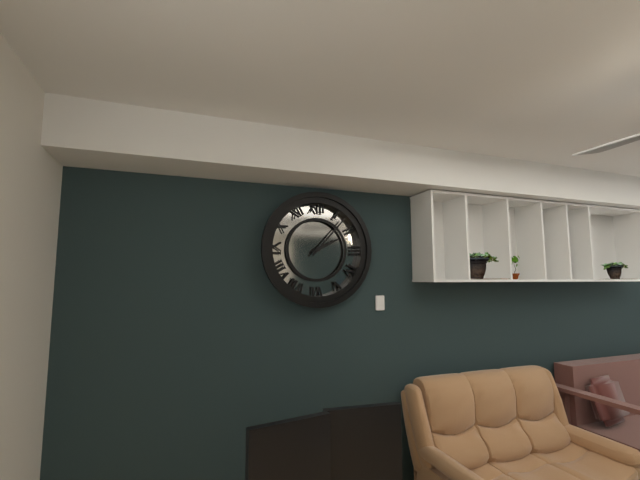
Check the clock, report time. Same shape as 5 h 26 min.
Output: 2 h 07 min
